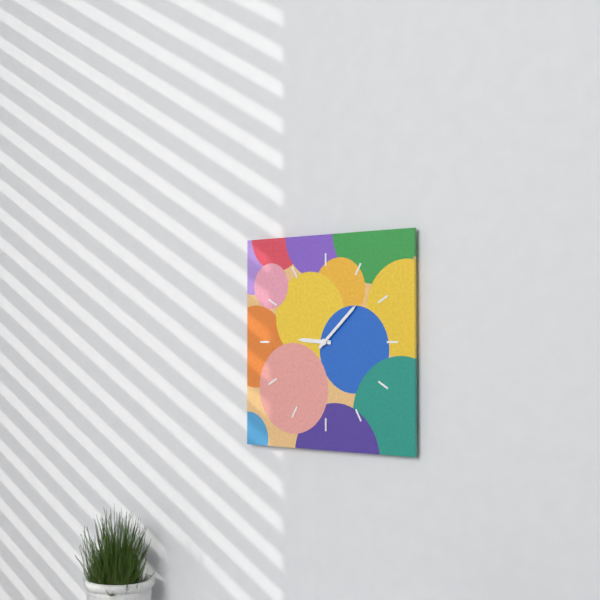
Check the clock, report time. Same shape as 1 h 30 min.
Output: 9 h 08 min
